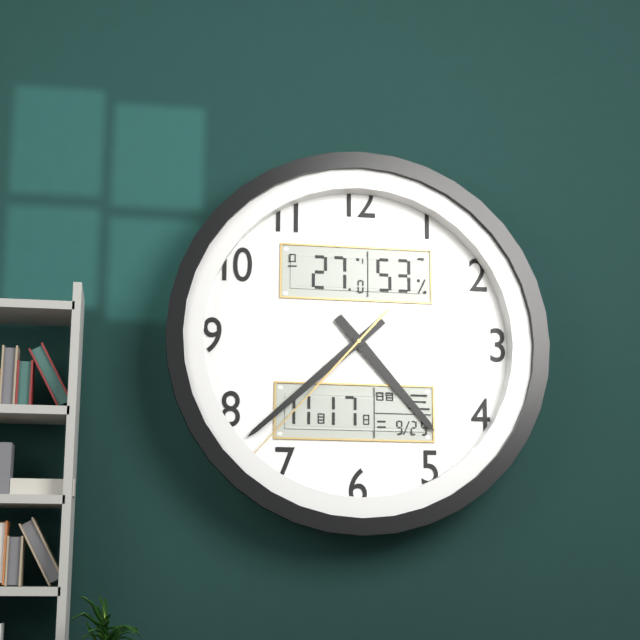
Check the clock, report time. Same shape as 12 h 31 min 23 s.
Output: 4 h 38 min 37 s
